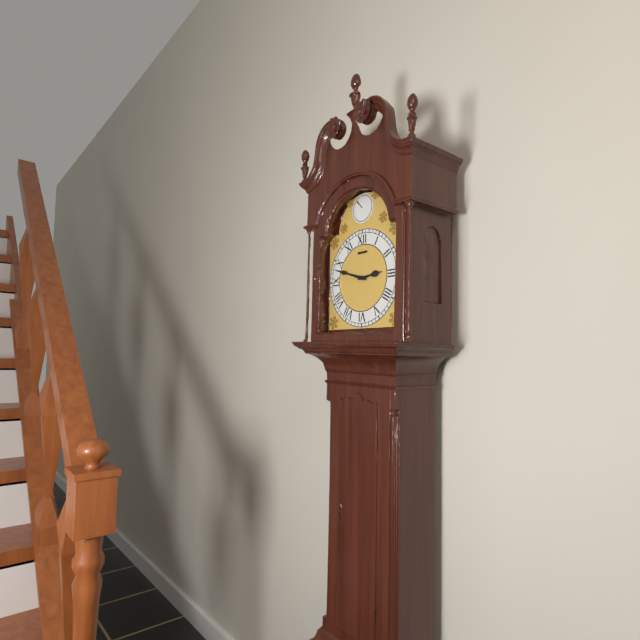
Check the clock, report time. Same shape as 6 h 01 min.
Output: 2 h 48 min
